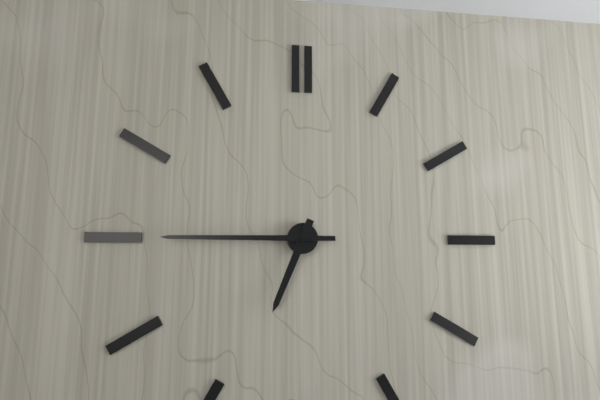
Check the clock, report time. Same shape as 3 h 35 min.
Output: 6 h 45 min
